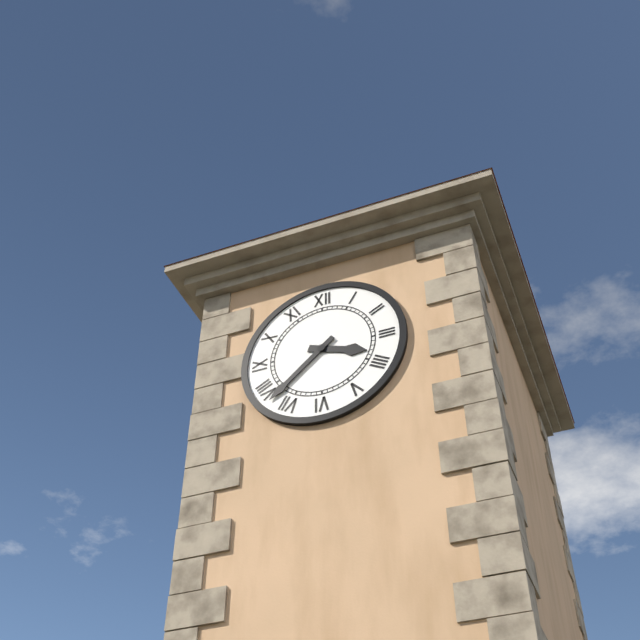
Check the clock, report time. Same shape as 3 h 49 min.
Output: 3 h 38 min
